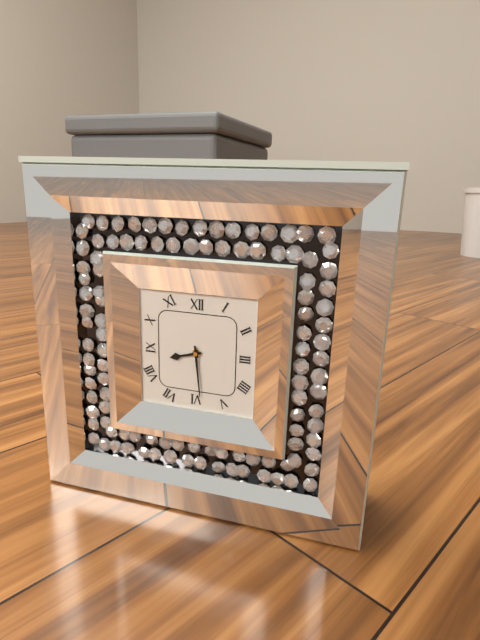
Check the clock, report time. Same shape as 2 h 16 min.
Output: 8 h 29 min
